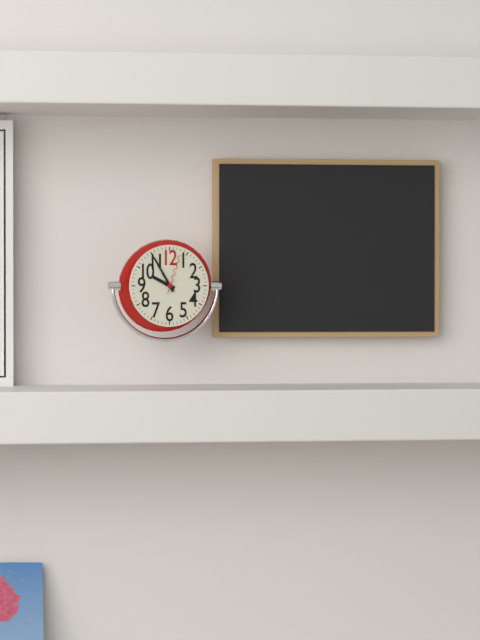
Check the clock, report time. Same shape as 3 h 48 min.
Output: 9 h 55 min
